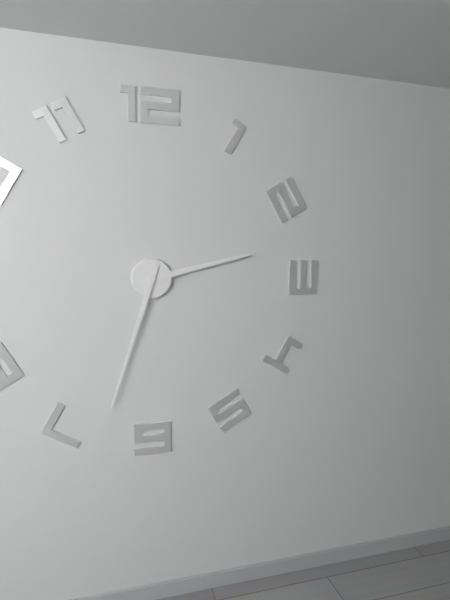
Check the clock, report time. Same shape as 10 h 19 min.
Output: 2 h 33 min
